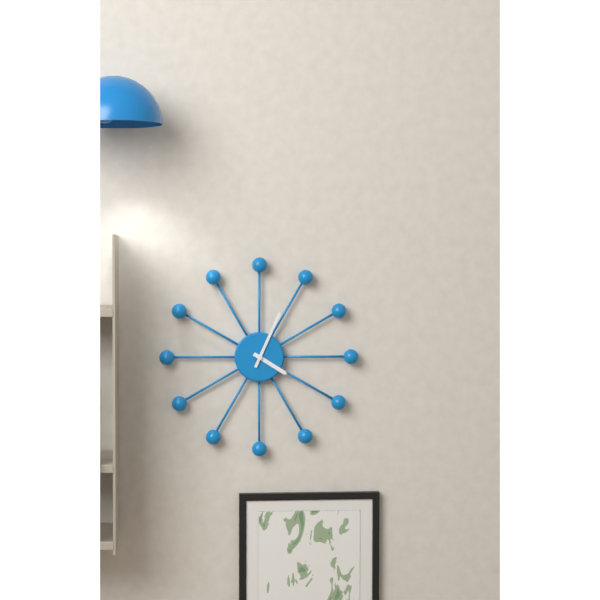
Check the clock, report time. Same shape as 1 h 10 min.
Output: 4 h 04 min
